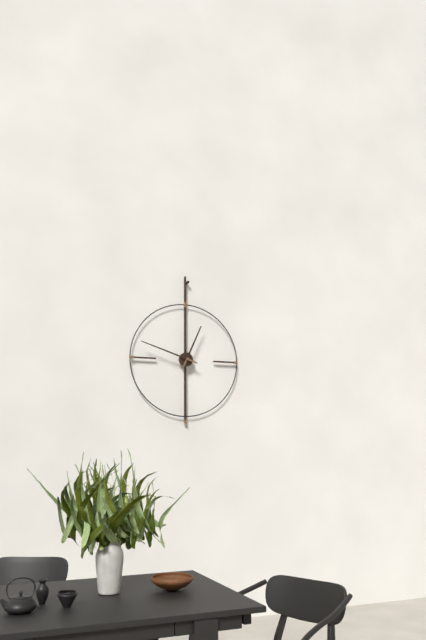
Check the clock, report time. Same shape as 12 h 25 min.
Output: 12 h 48 min
